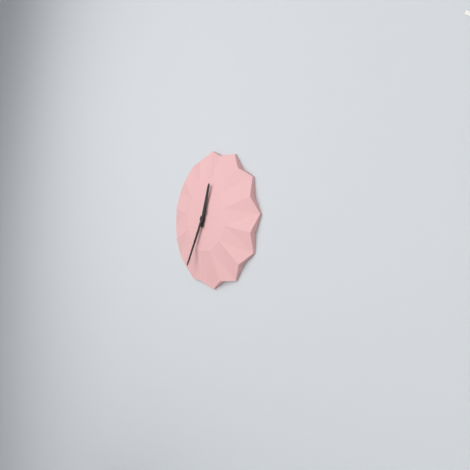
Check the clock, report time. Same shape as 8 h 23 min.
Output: 12 h 35 min
